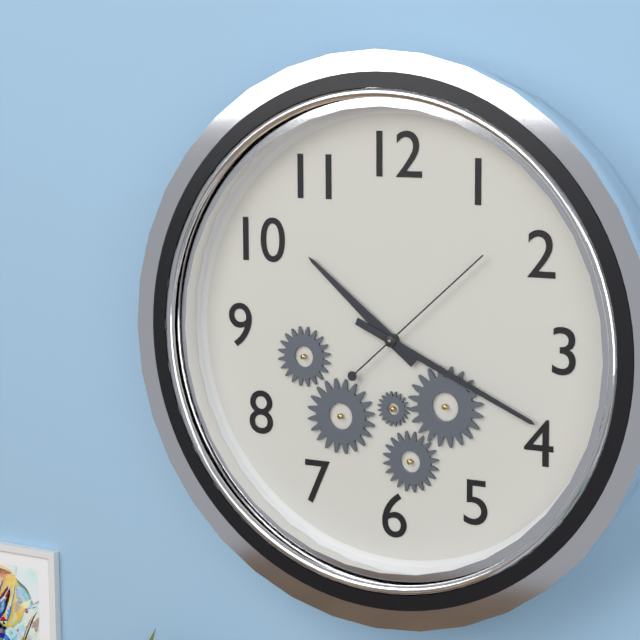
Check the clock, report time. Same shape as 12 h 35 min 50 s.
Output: 10 h 19 min 08 s
